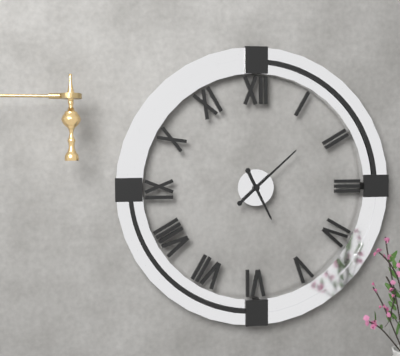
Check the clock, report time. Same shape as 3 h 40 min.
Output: 5 h 08 min
